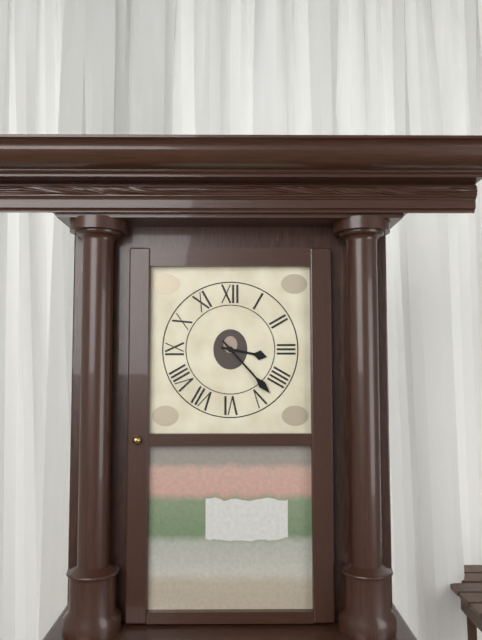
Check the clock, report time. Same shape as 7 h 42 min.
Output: 3 h 23 min
